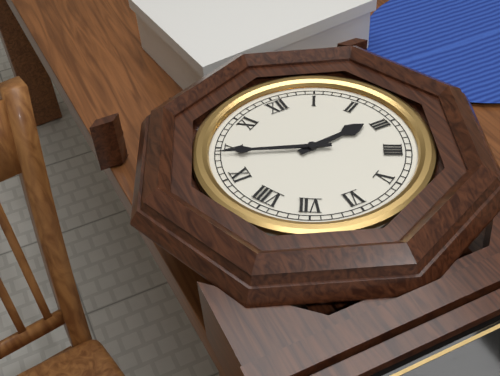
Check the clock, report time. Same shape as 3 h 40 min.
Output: 2 h 49 min
